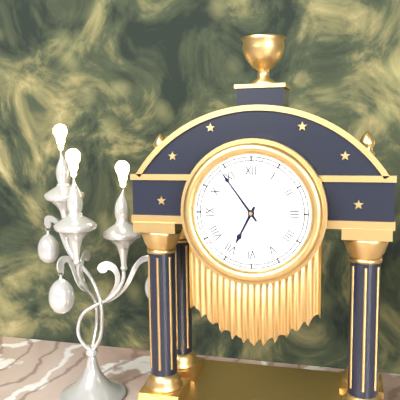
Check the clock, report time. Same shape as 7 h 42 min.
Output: 6 h 54 min
